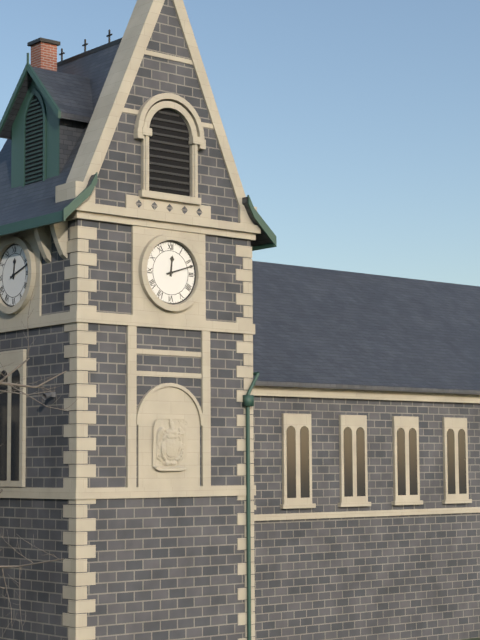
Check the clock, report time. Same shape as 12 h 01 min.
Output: 12 h 12 min
